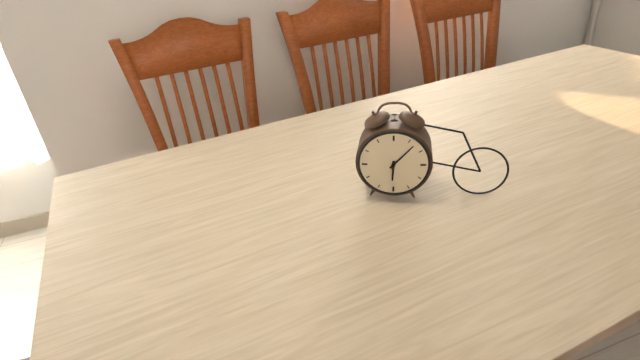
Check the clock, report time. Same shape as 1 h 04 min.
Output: 6 h 07 min
